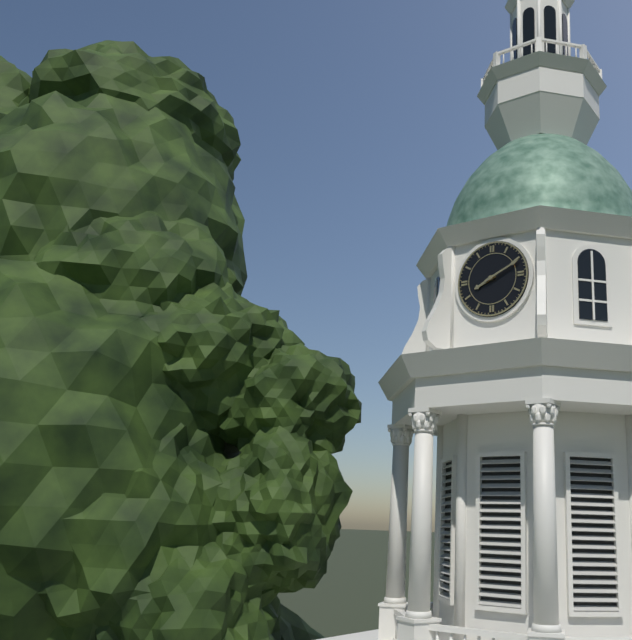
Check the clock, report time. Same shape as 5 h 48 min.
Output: 8 h 11 min
